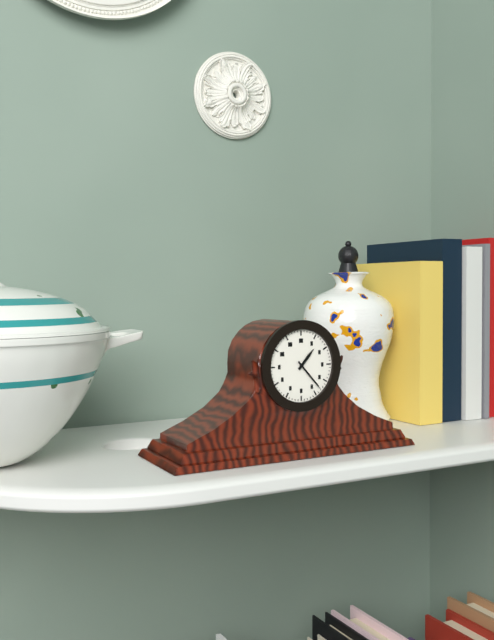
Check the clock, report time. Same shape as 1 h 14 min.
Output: 1 h 23 min
